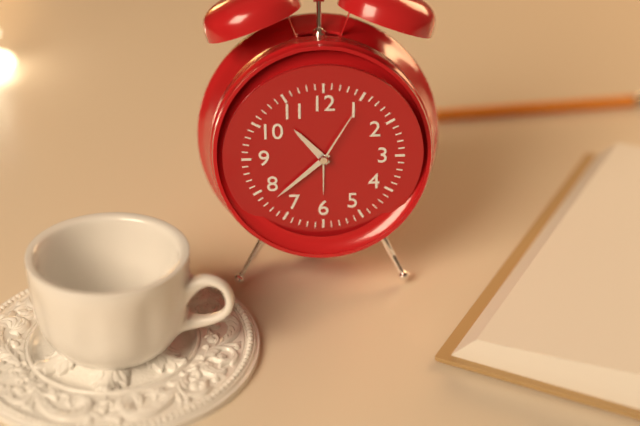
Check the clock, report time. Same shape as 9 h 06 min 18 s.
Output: 10 h 38 min 05 s
